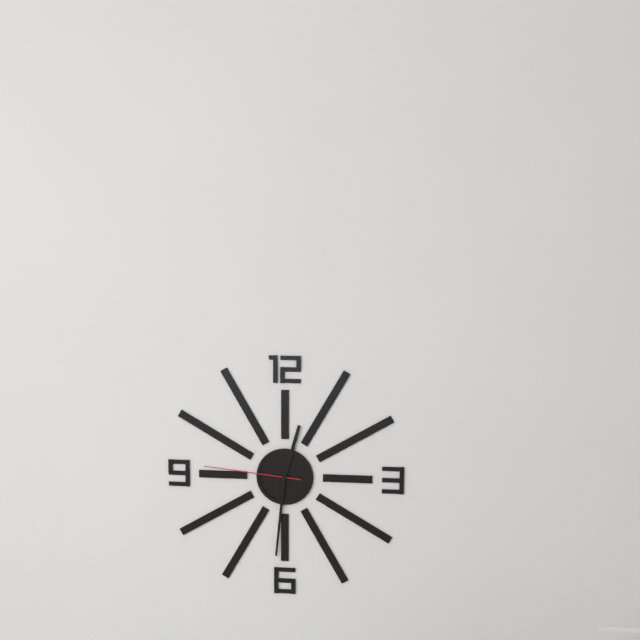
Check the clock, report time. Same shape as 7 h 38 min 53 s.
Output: 12 h 31 min 46 s
